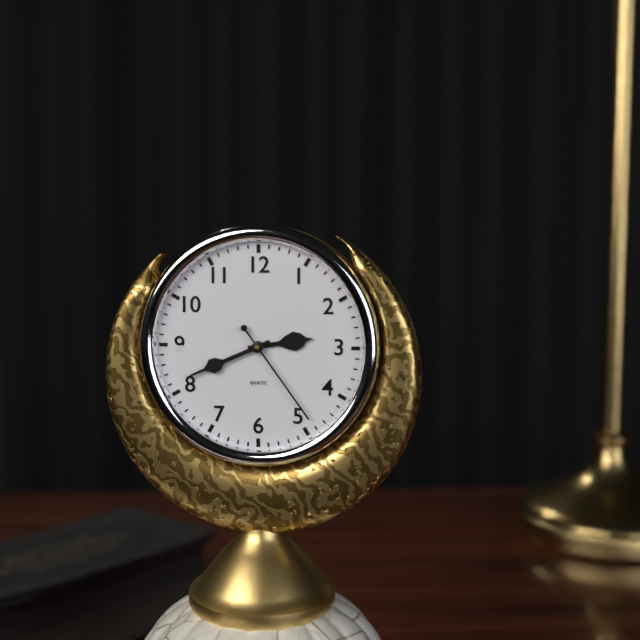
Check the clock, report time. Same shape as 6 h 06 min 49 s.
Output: 2 h 41 min 24 s
